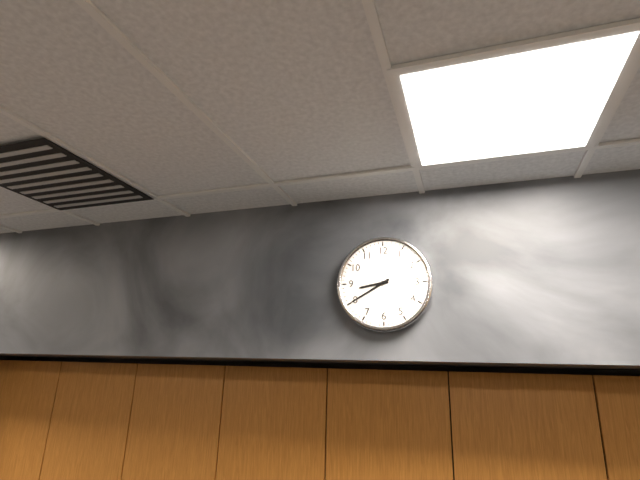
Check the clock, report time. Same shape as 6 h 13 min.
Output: 8 h 40 min
